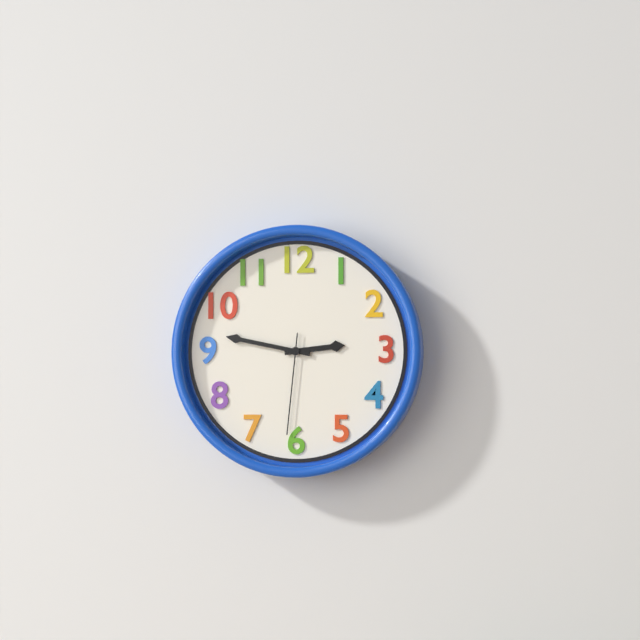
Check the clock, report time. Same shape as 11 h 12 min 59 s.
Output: 2 h 47 min 31 s
